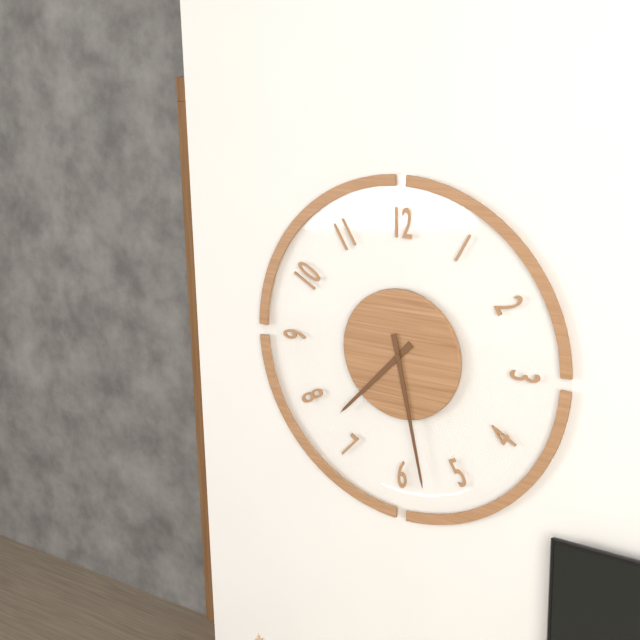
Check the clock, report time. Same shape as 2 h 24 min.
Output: 7 h 28 min
